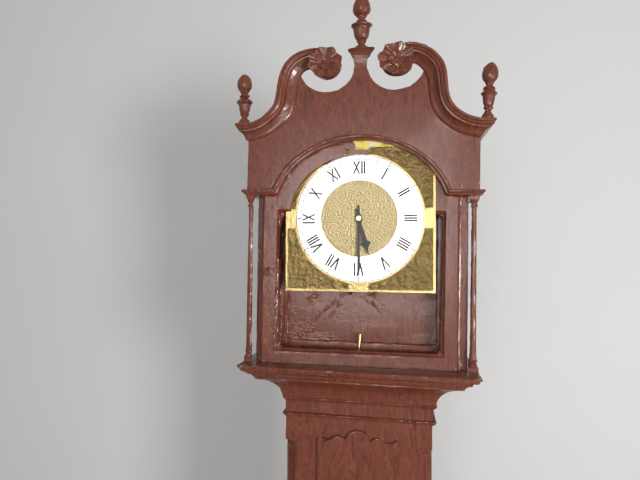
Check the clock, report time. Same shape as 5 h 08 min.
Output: 5 h 30 min
